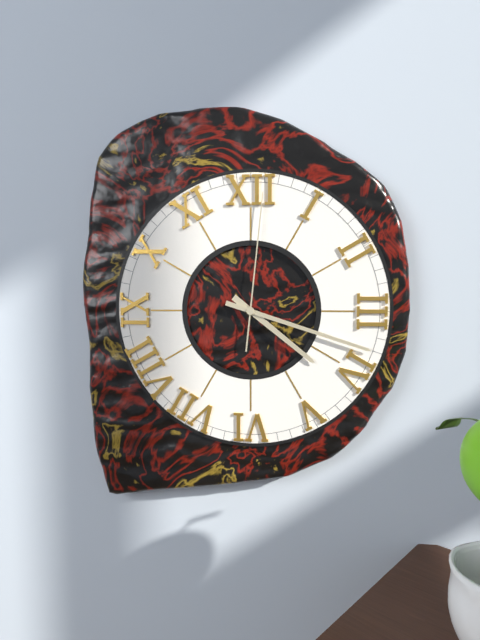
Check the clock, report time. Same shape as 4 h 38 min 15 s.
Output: 4 h 18 min 01 s
